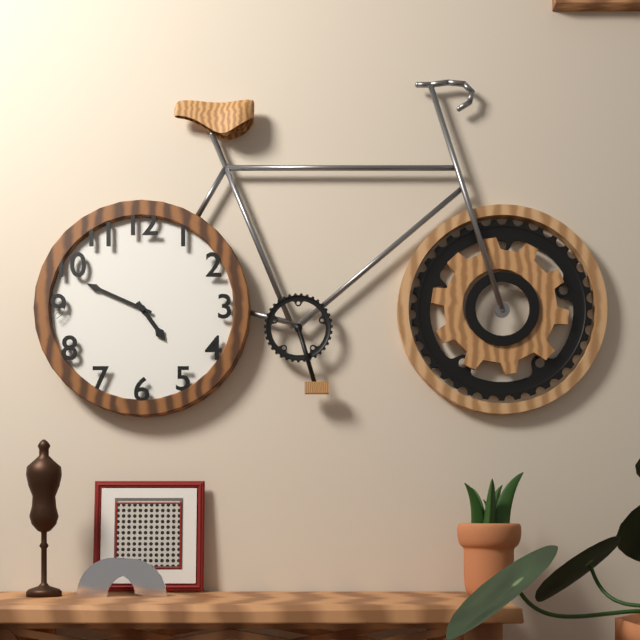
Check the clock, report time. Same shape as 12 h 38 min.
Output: 4 h 49 min
